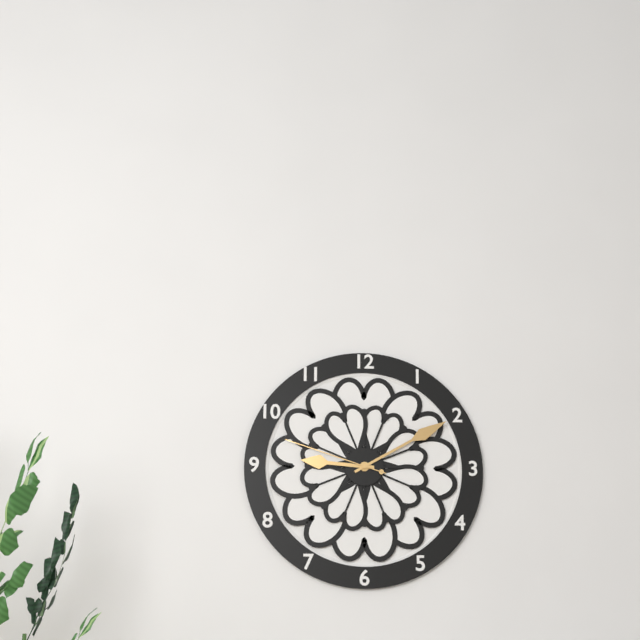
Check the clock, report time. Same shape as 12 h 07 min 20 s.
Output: 9 h 10 min 48 s
